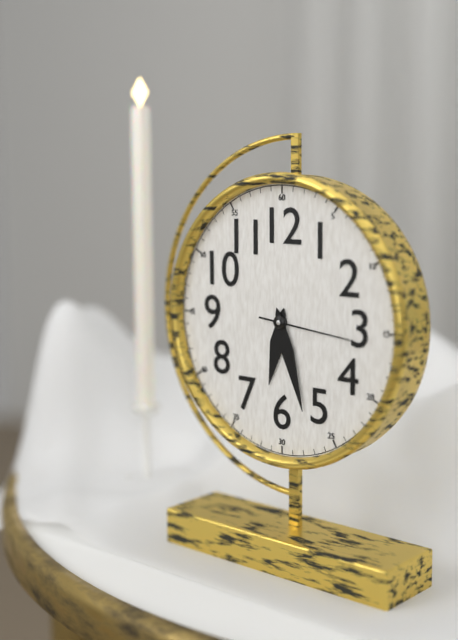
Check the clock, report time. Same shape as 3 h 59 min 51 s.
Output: 6 h 27 min 16 s
